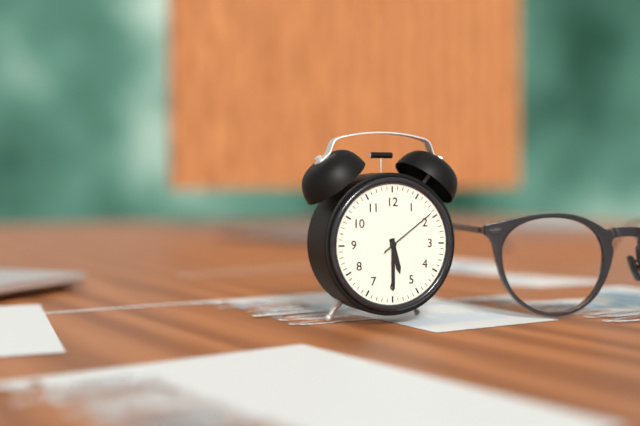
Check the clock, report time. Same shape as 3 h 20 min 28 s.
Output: 5 h 30 min 09 s
